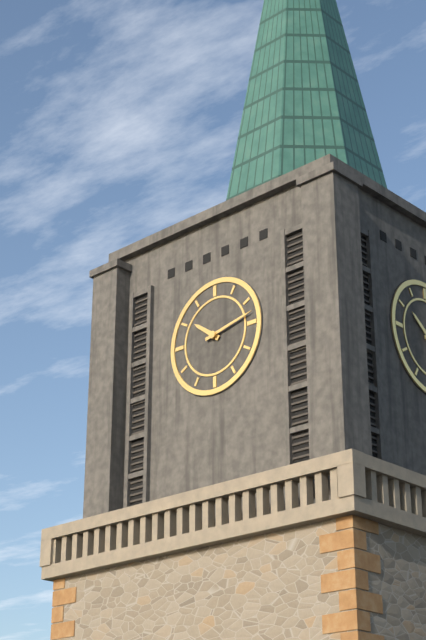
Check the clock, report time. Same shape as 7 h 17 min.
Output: 10 h 13 min
